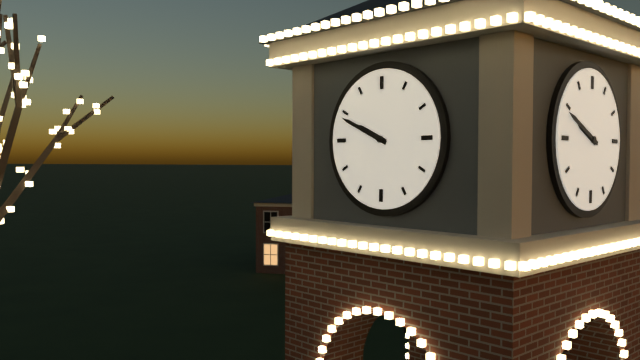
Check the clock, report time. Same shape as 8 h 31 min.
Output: 9 h 49 min
